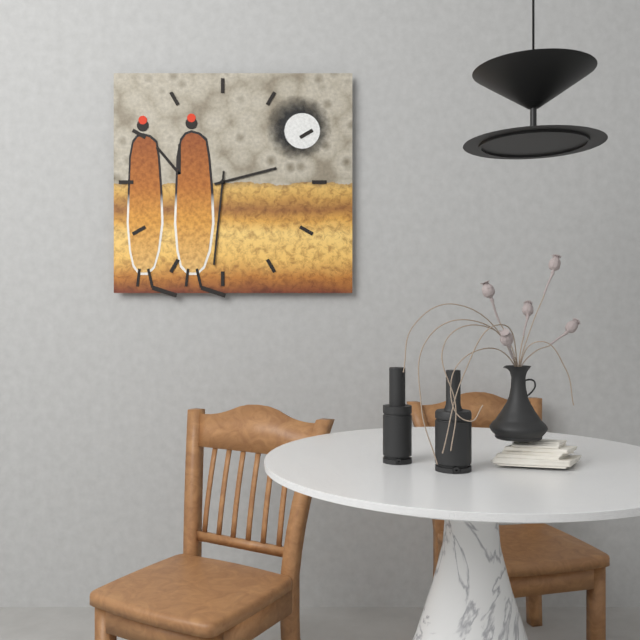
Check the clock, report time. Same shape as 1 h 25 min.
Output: 2 h 31 min
